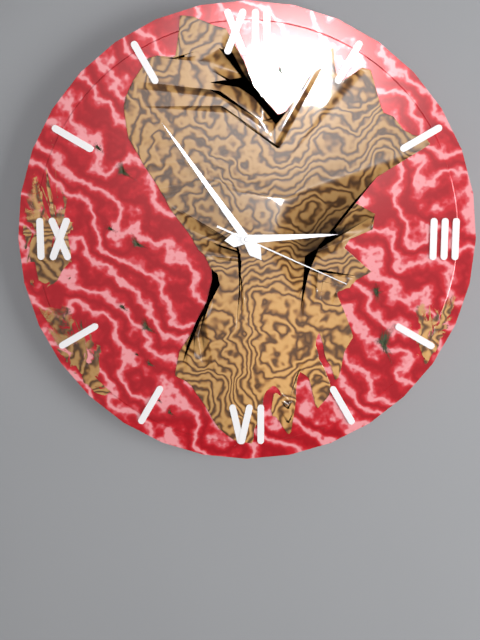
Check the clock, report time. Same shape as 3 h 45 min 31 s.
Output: 2 h 54 min 19 s
